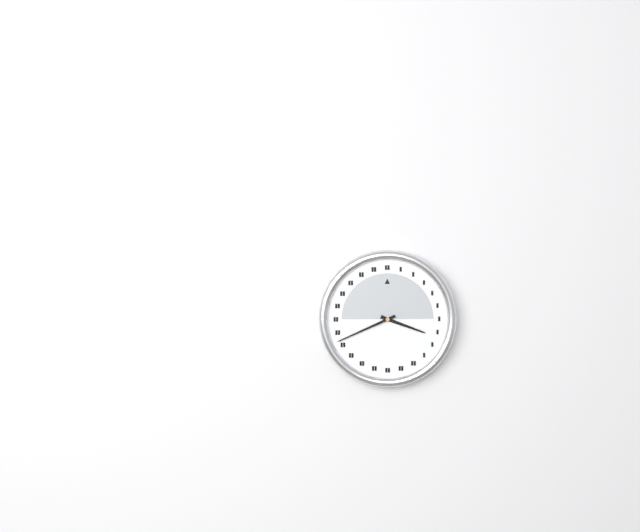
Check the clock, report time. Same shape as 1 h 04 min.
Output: 3 h 41 min
